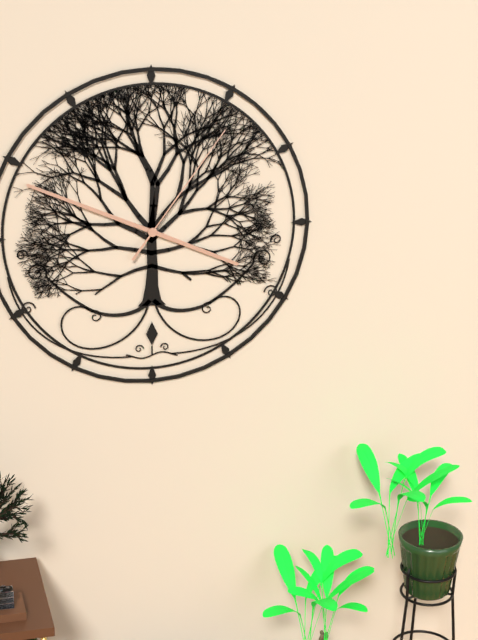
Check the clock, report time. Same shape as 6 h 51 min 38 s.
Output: 3 h 49 min 06 s
